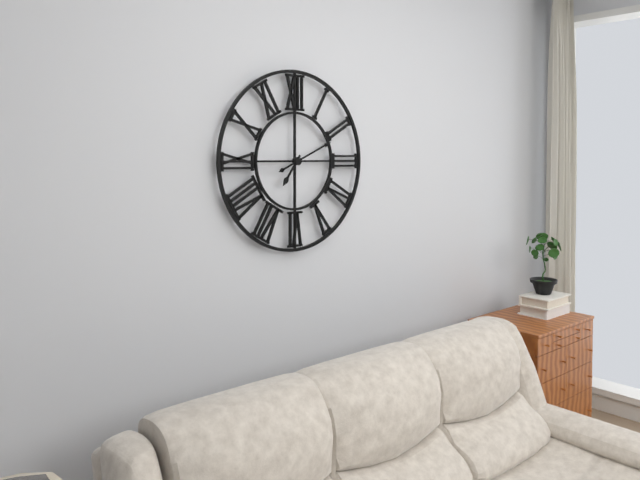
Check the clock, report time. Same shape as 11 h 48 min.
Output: 7 h 11 min
